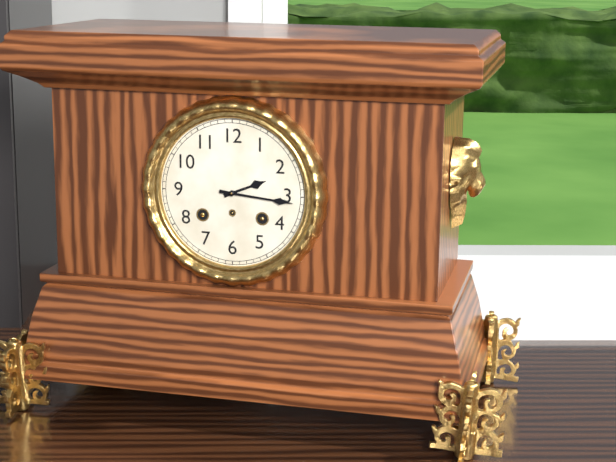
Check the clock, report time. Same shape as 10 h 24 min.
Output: 2 h 16 min
